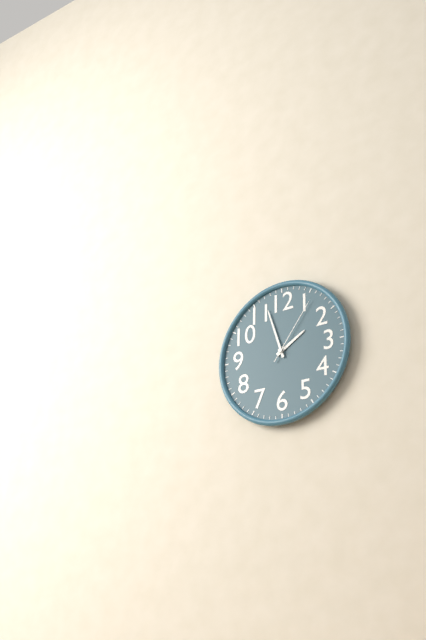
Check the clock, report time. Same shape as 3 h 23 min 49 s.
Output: 1 h 57 min 06 s
